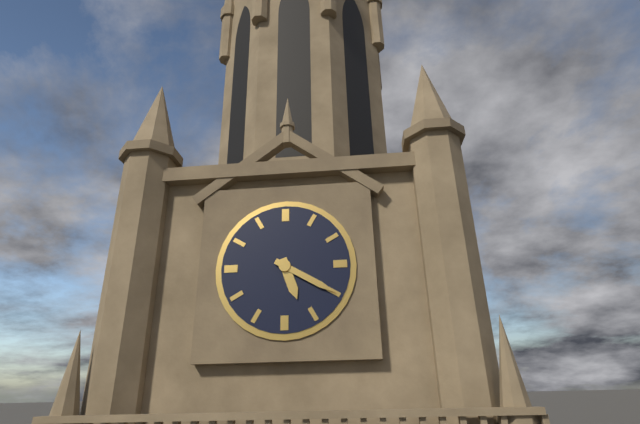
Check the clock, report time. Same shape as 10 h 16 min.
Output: 5 h 20 min
